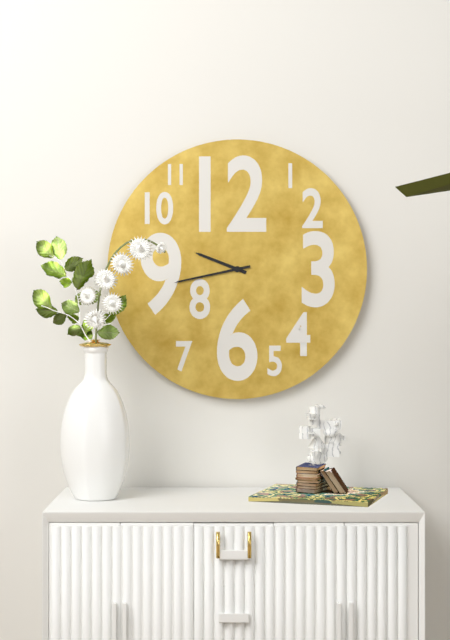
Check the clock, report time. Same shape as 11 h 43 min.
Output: 9 h 43 min
